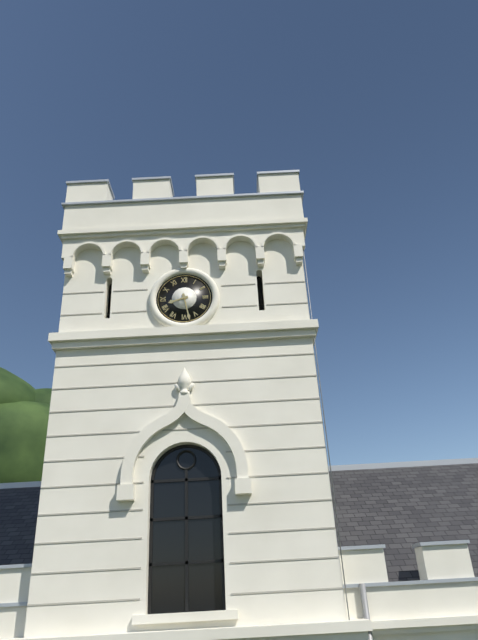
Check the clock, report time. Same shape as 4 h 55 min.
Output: 8 h 28 min
